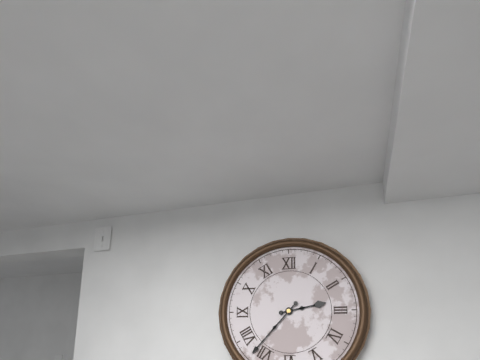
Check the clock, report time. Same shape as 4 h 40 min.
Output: 2 h 37 min
